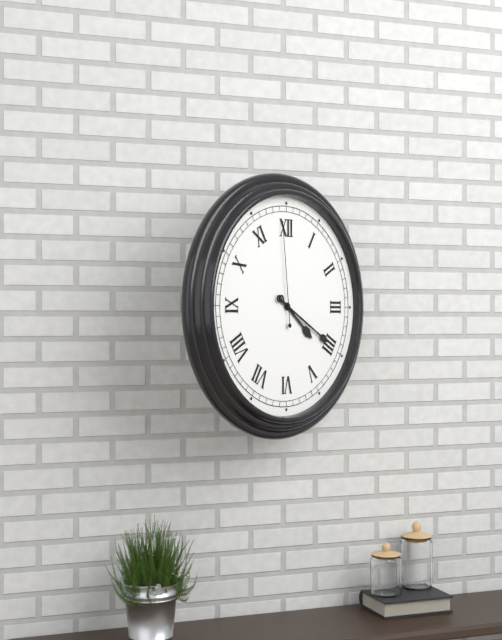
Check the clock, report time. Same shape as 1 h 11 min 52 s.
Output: 4 h 20 min 59 s
